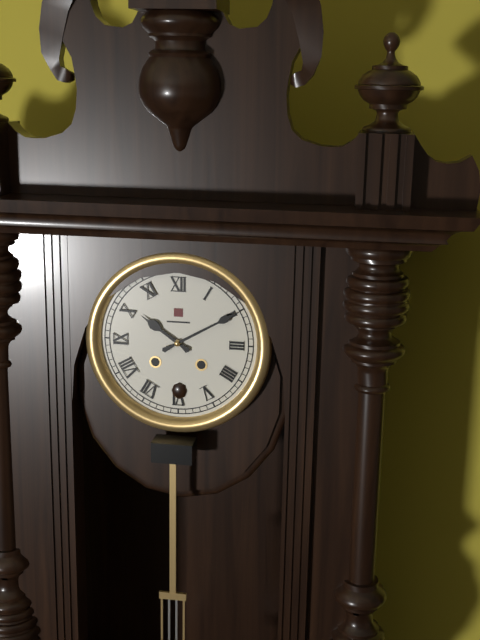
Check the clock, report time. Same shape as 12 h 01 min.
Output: 10 h 10 min
